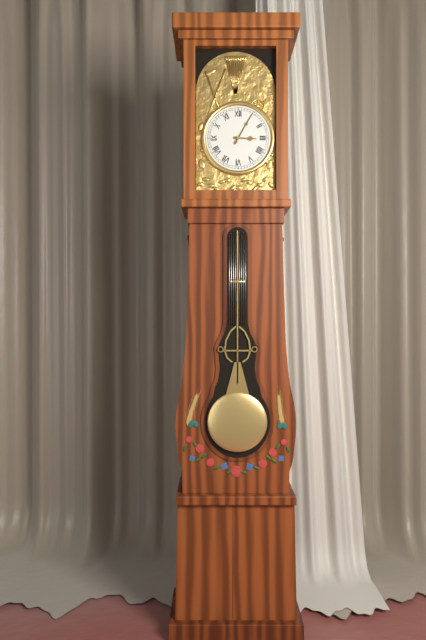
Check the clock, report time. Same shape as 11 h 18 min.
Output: 3 h 05 min
